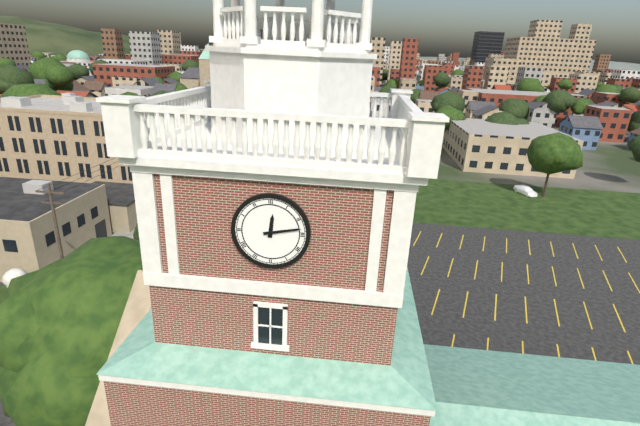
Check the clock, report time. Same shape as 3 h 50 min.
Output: 12 h 13 min
